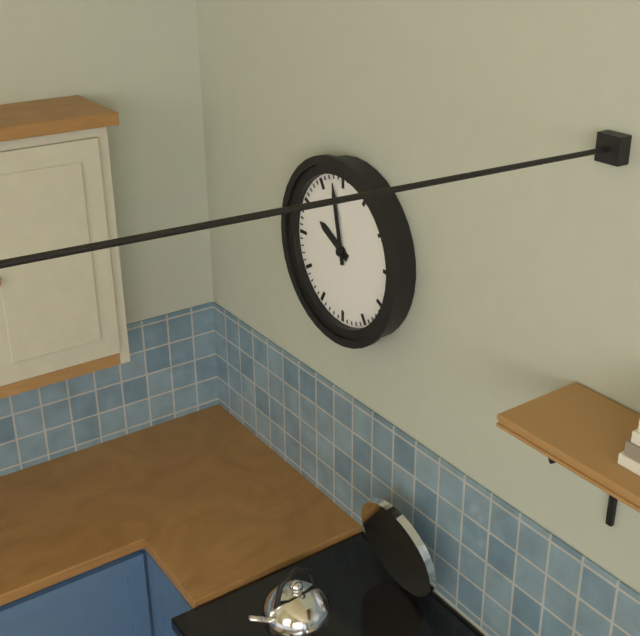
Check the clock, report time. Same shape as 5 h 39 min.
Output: 9 h 58 min
